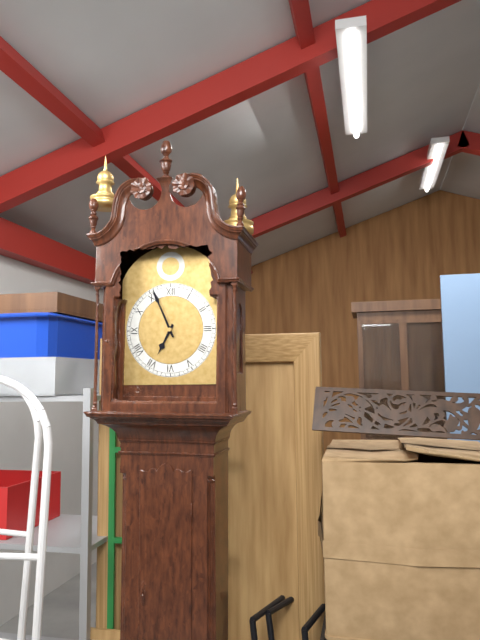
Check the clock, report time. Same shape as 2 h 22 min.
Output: 6 h 56 min
